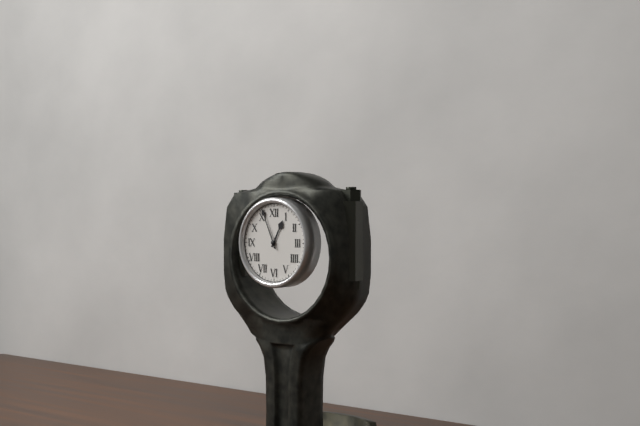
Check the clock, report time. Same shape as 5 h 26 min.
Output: 12 h 56 min
